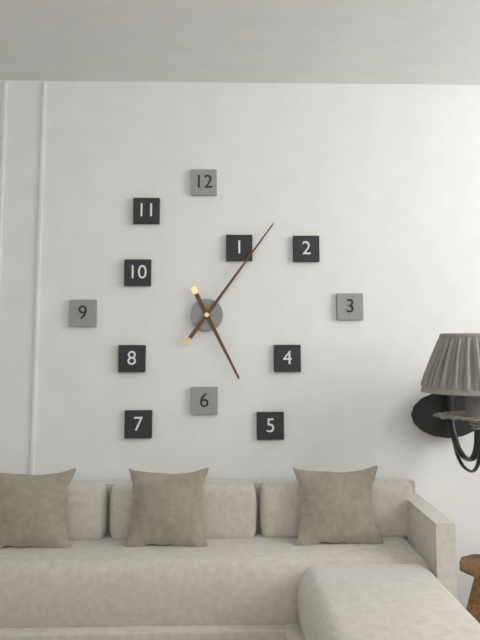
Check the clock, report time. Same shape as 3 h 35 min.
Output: 5 h 06 min
